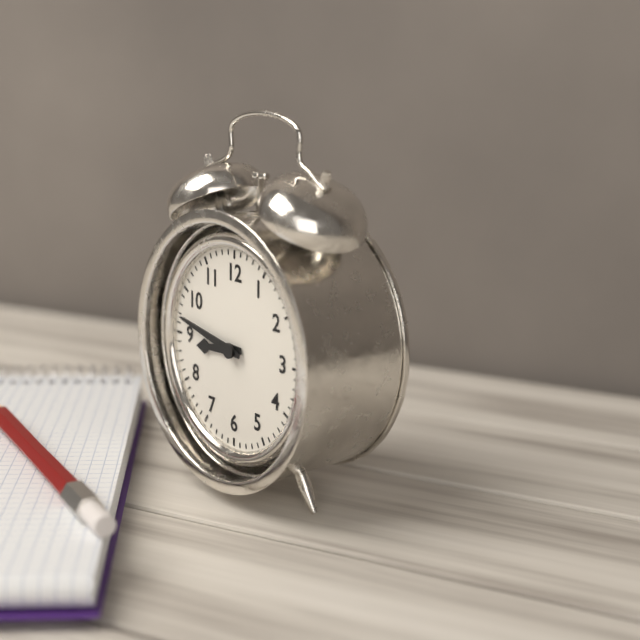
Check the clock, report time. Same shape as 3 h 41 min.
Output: 8 h 47 min
